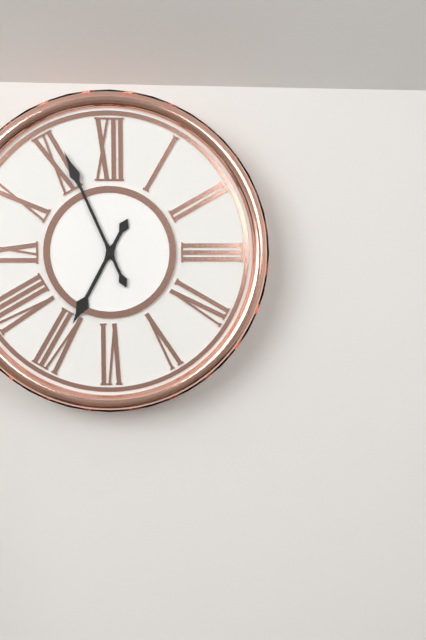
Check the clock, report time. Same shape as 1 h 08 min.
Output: 6 h 56 min
